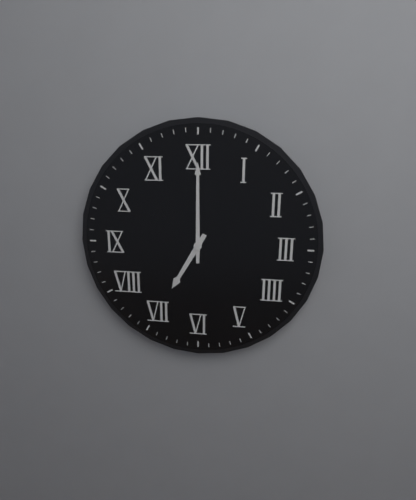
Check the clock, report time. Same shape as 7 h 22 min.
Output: 7 h 00 min
